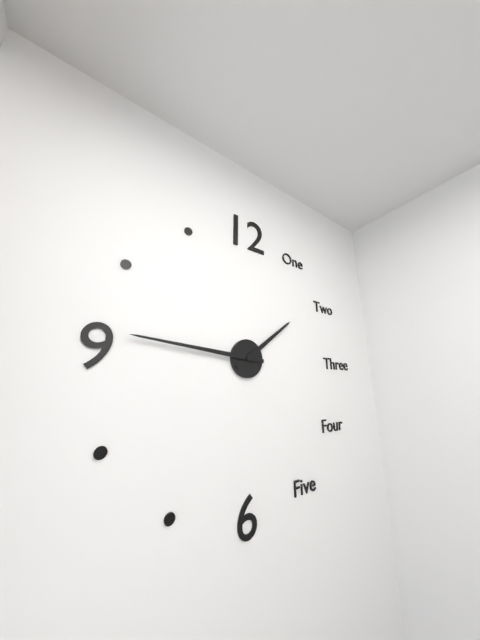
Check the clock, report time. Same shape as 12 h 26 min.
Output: 1 h 46 min
